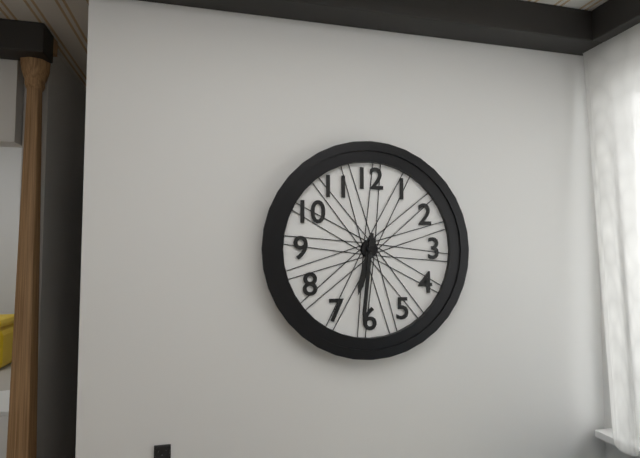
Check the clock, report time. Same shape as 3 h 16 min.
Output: 6 h 31 min
